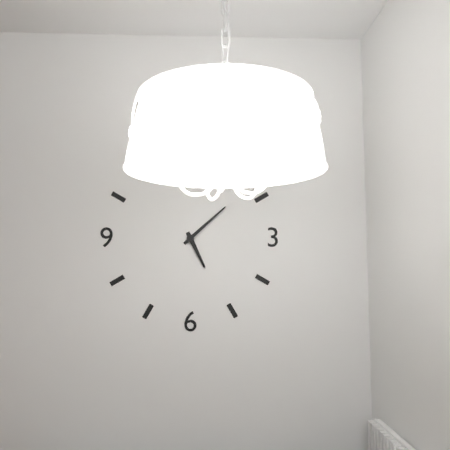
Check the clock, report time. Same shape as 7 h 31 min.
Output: 5 h 08 min
